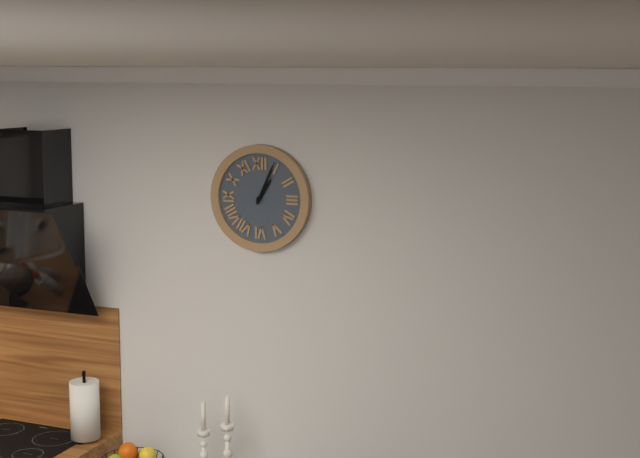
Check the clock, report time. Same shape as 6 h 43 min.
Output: 1 h 04 min
